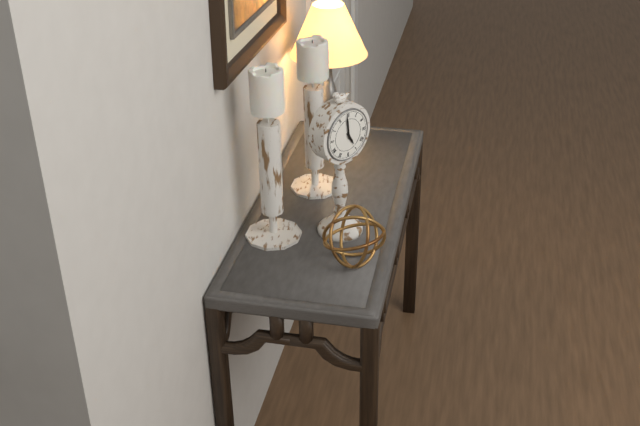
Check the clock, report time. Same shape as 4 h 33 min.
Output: 4 h 59 min
